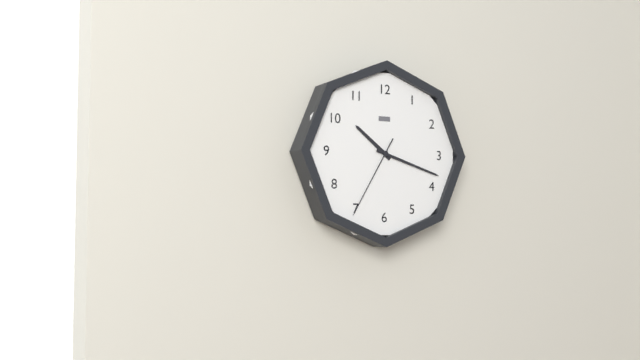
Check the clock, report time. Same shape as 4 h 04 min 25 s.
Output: 10 h 18 min 35 s
